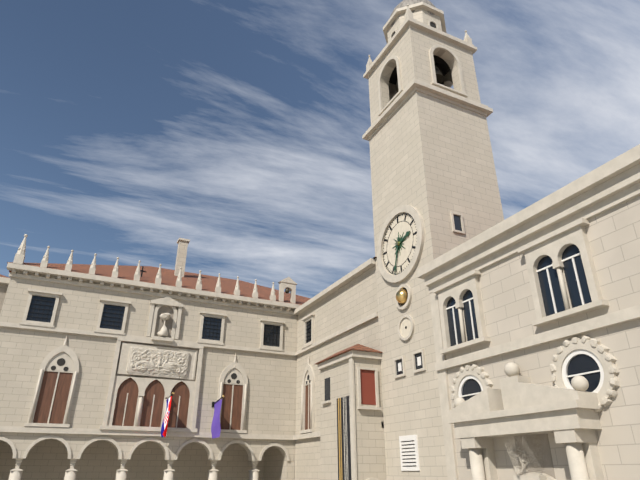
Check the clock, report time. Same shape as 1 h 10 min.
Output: 2 h 33 min
